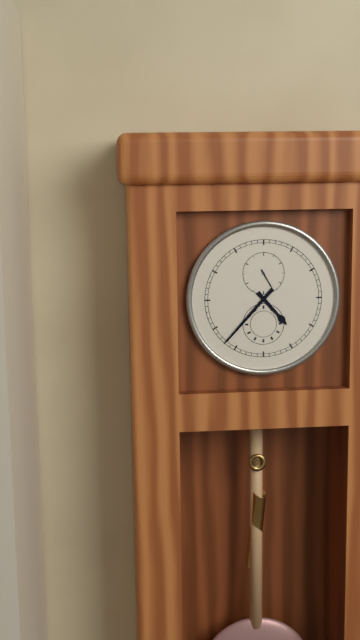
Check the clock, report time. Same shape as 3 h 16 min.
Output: 4 h 37 min
